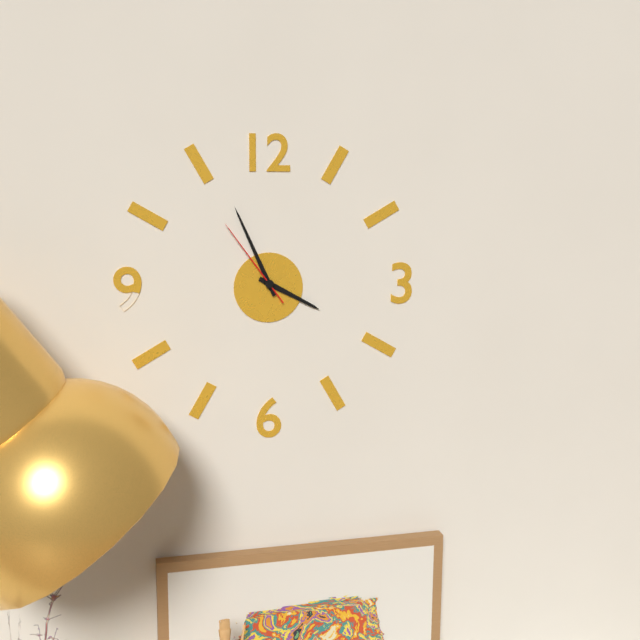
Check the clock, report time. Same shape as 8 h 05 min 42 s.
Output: 3 h 56 min 54 s
